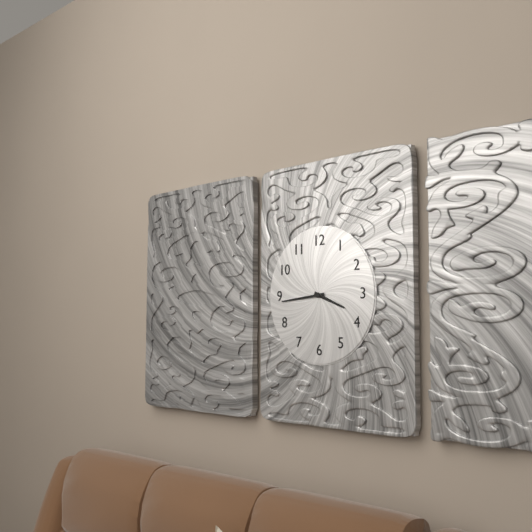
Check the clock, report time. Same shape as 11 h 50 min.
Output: 3 h 44 min
